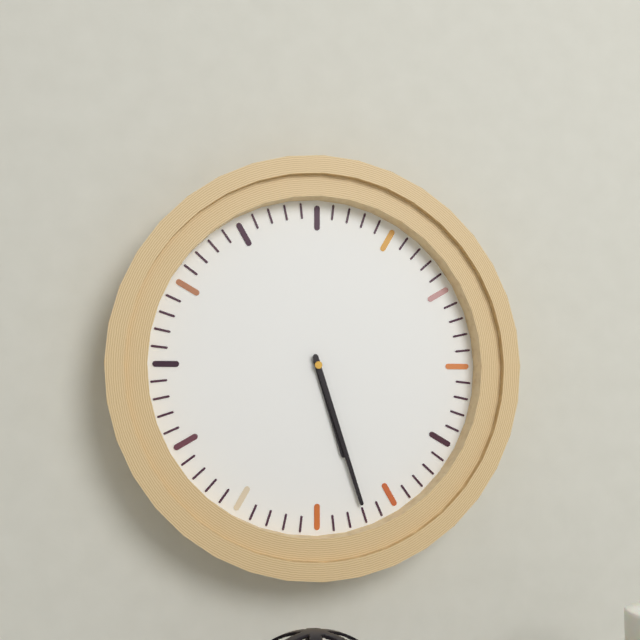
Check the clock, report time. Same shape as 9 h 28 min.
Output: 5 h 27 min
